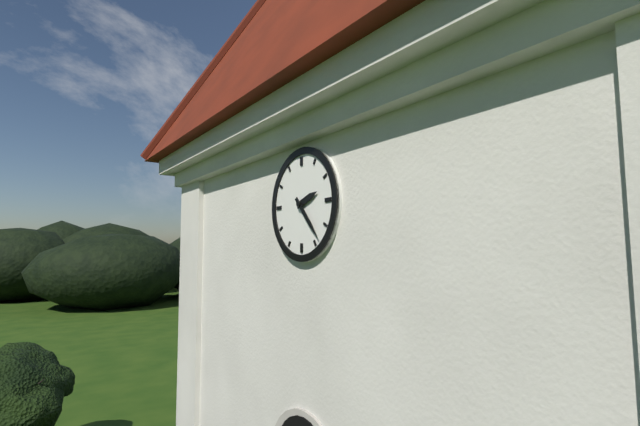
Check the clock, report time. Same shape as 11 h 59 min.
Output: 2 h 23 min
